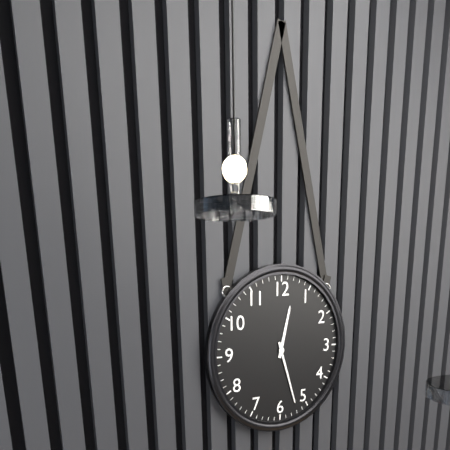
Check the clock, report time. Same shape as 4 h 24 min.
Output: 12 h 27 min
